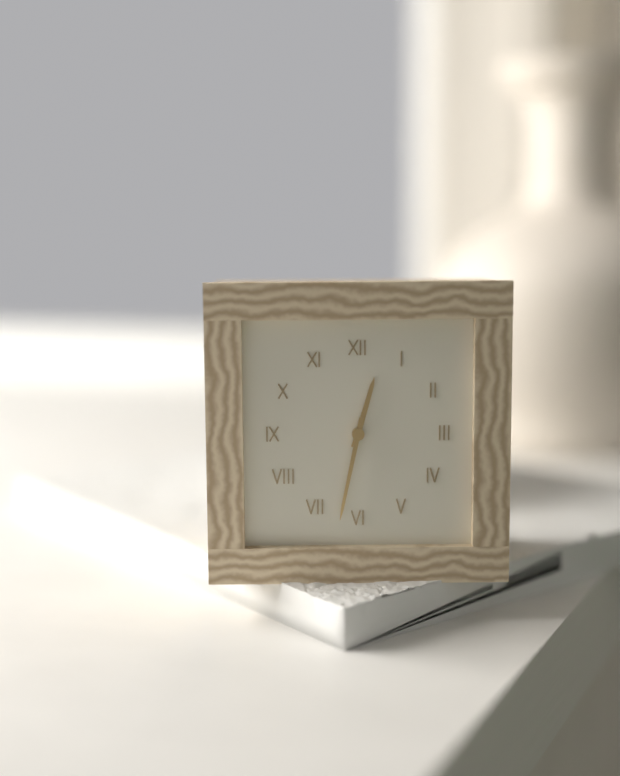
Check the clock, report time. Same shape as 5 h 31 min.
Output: 12 h 32 min
